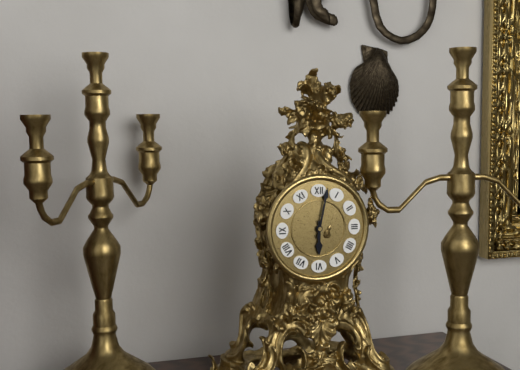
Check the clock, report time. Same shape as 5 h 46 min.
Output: 6 h 02 min
